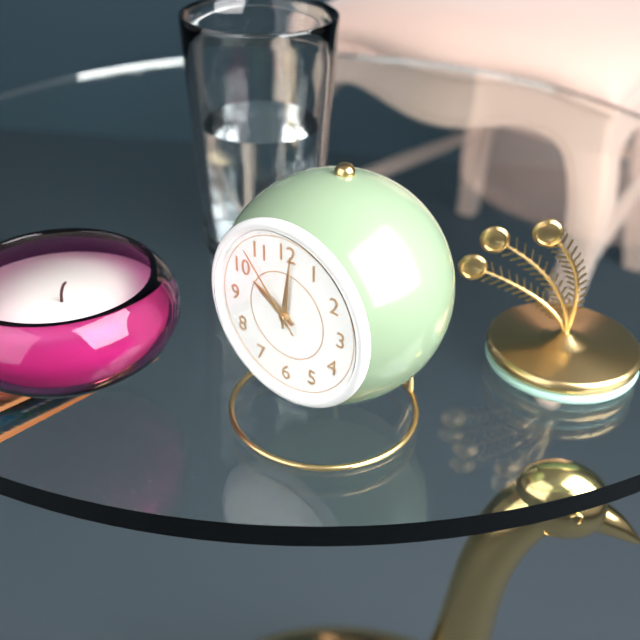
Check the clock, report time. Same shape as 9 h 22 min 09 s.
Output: 10 h 01 min 53 s
